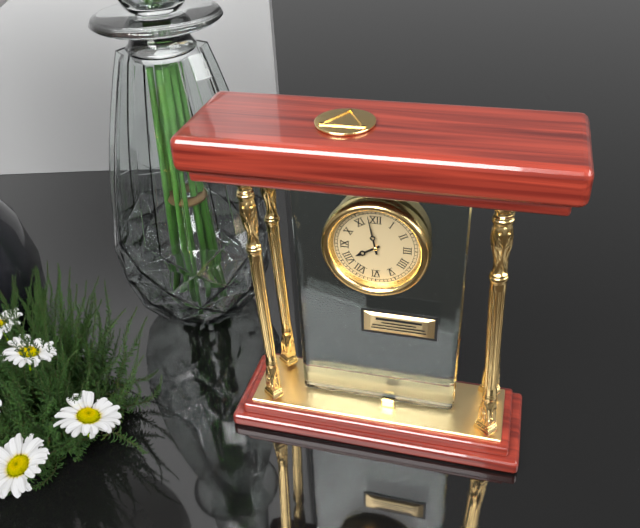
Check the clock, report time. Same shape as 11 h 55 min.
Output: 7 h 58 min
